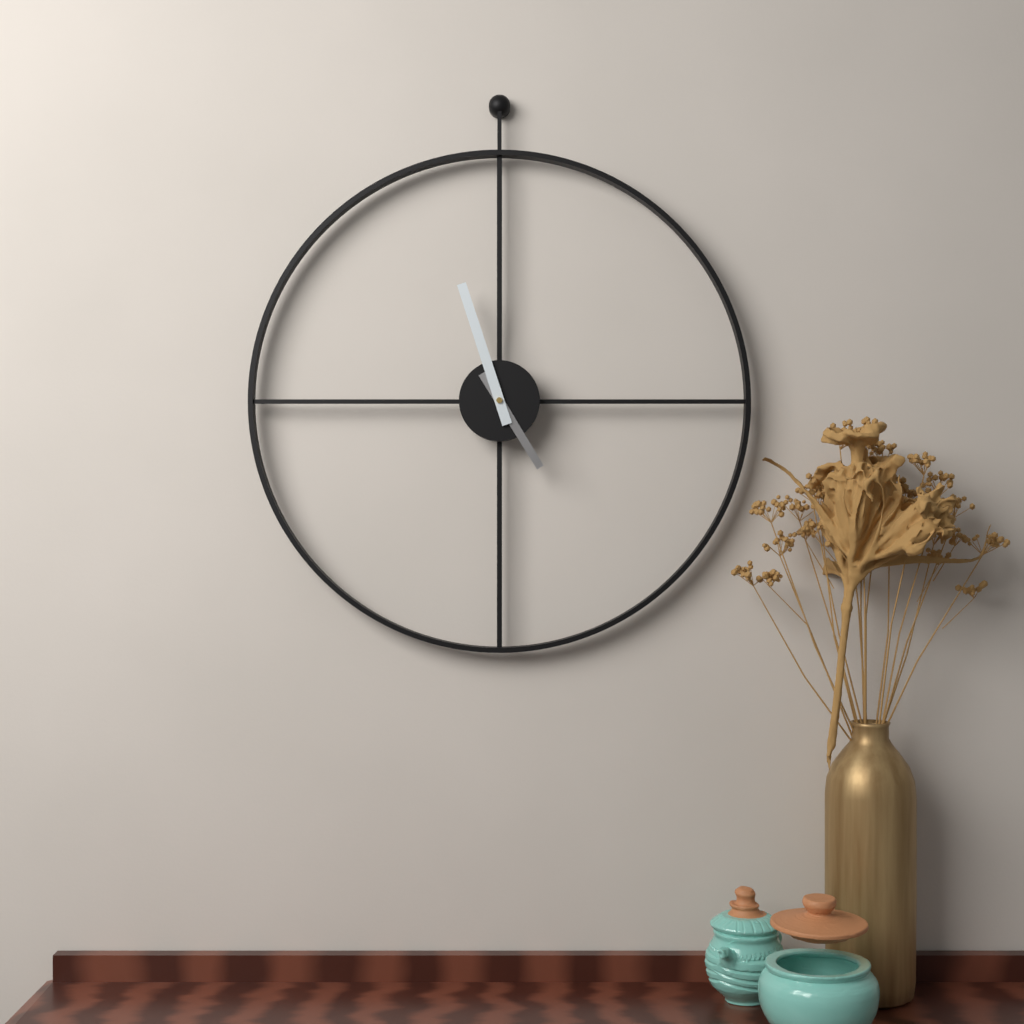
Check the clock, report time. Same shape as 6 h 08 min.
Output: 4 h 57 min
